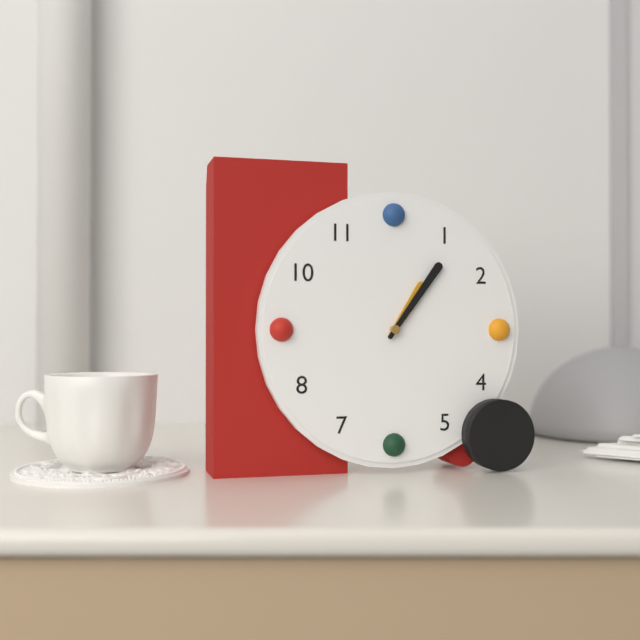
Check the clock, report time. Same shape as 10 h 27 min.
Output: 1 h 06 min
